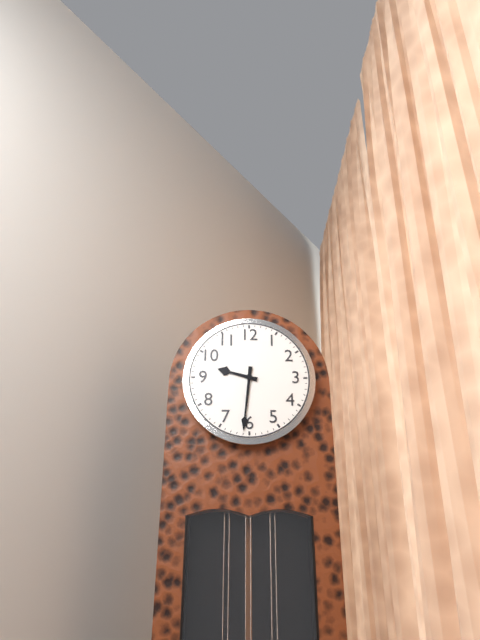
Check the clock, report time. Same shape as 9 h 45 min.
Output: 9 h 31 min
